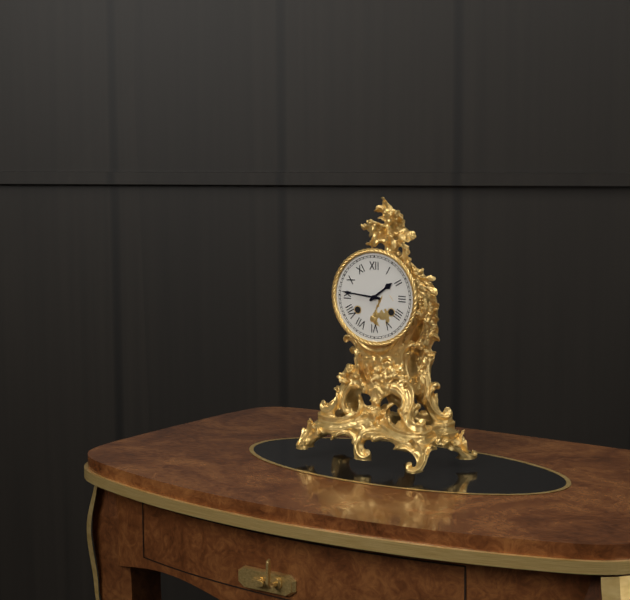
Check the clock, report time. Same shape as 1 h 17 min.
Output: 1 h 46 min
